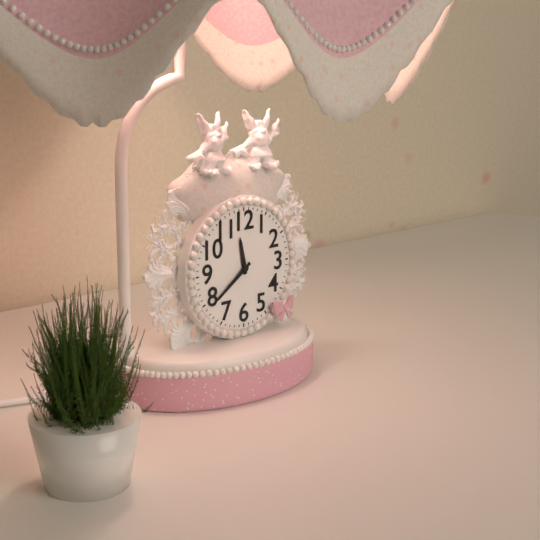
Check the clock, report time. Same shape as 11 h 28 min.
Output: 11 h 39 min
